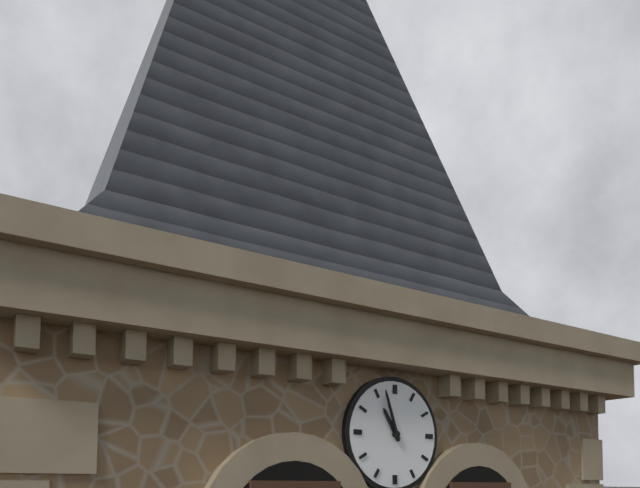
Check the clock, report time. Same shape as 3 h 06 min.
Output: 10 h 57 min
